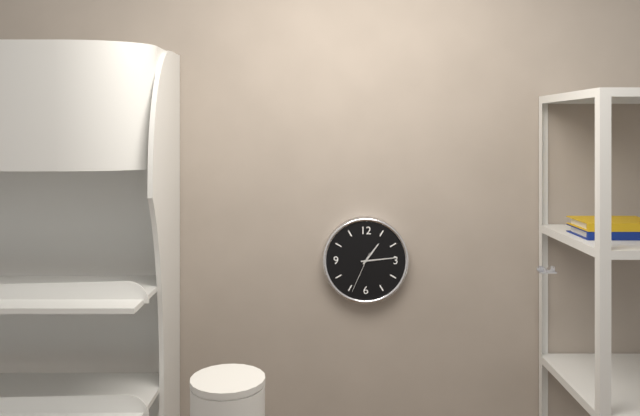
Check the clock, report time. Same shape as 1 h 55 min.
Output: 1 h 14 min
